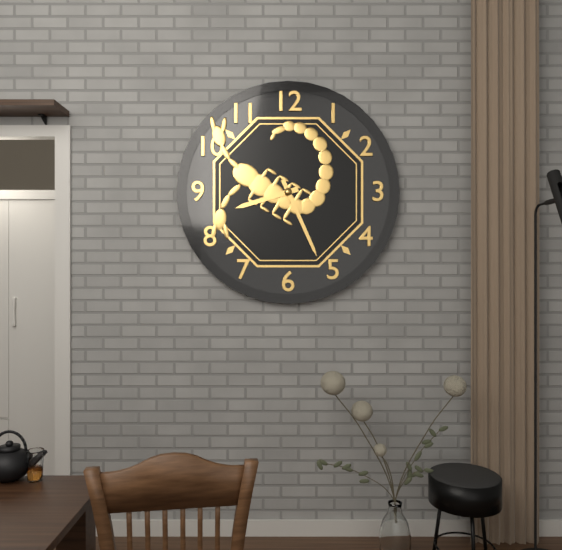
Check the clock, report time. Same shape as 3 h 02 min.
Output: 8 h 26 min
